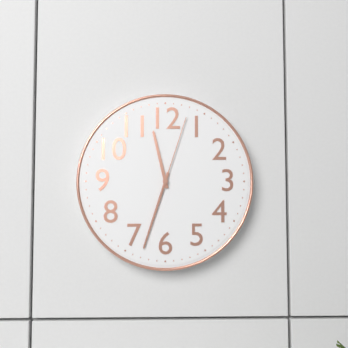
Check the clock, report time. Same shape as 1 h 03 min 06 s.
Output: 11 h 33 min 03 s
